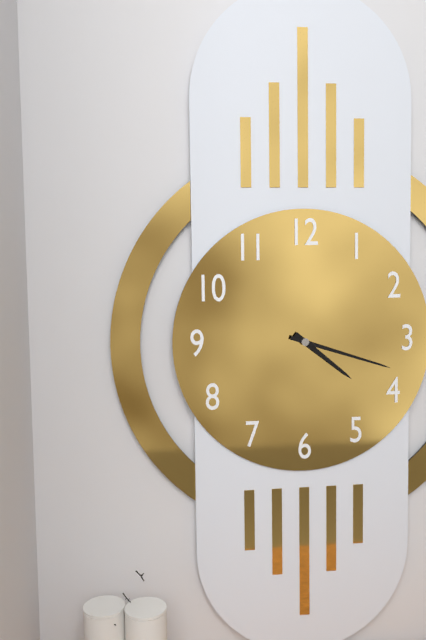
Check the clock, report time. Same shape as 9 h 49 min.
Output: 4 h 18 min
